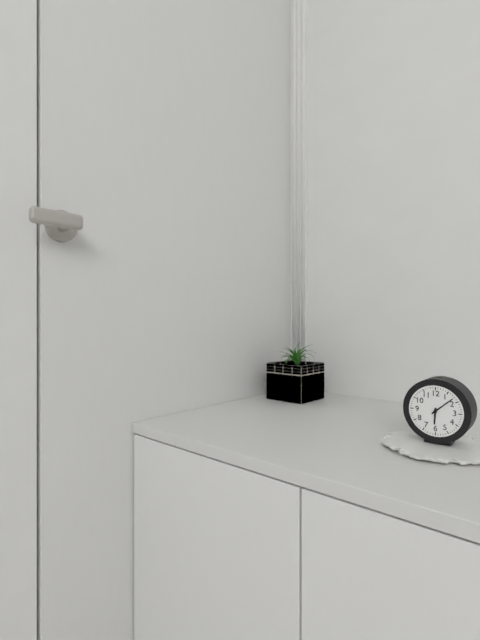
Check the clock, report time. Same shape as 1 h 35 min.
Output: 6 h 08 min
